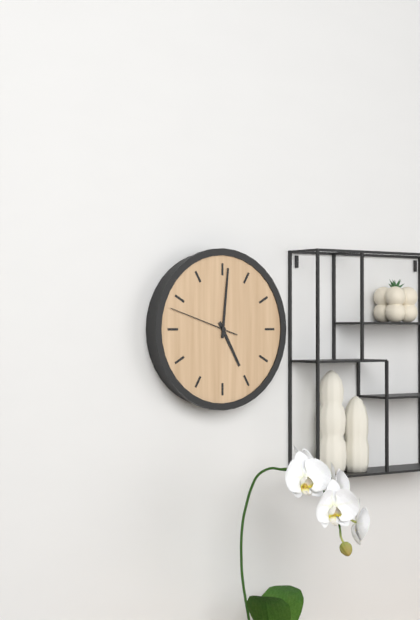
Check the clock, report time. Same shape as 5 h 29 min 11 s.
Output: 5 h 01 min 48 s
